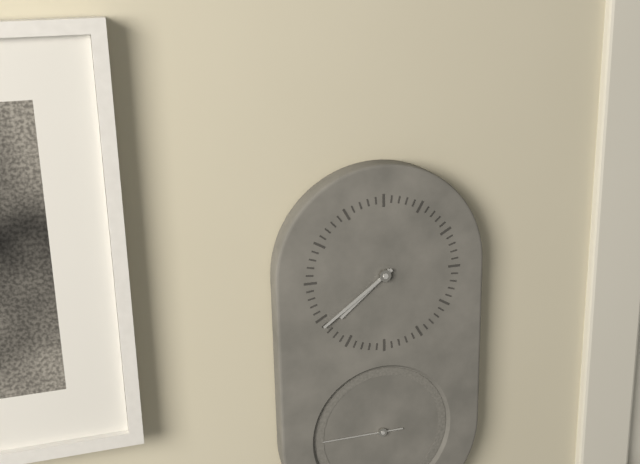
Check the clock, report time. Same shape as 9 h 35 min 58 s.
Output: 7 h 39 min 45 s
